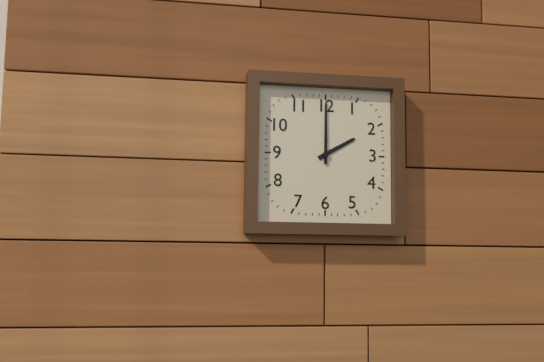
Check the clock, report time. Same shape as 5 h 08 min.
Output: 2 h 00 min
